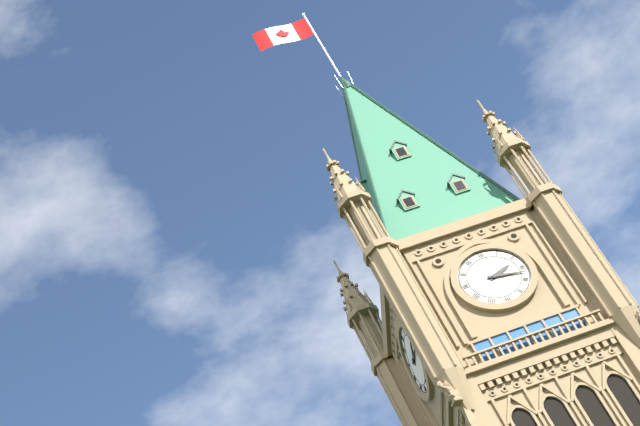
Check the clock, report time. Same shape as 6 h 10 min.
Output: 2 h 17 min
